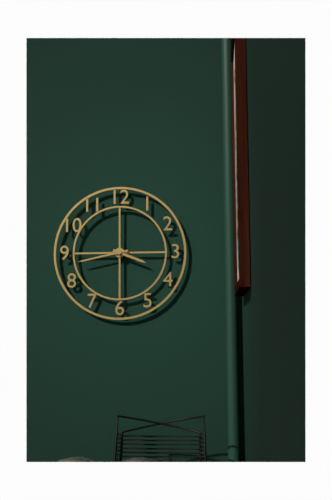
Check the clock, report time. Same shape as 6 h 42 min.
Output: 3 h 43 min
